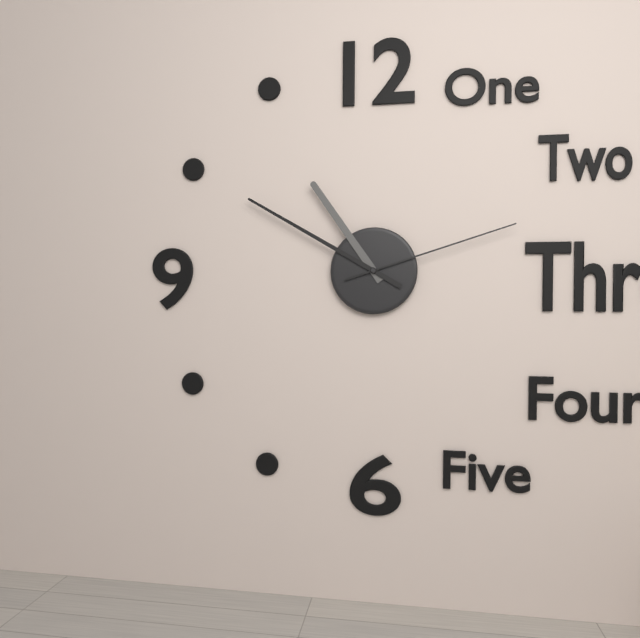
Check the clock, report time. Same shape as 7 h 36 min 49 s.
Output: 10 h 50 min 12 s
